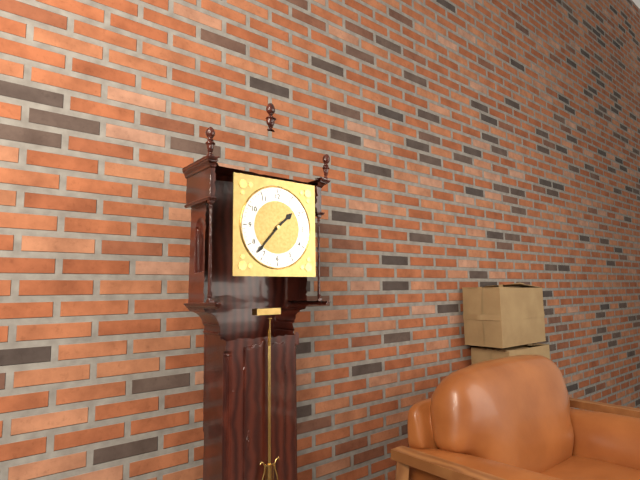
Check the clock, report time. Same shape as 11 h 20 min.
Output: 1 h 37 min
